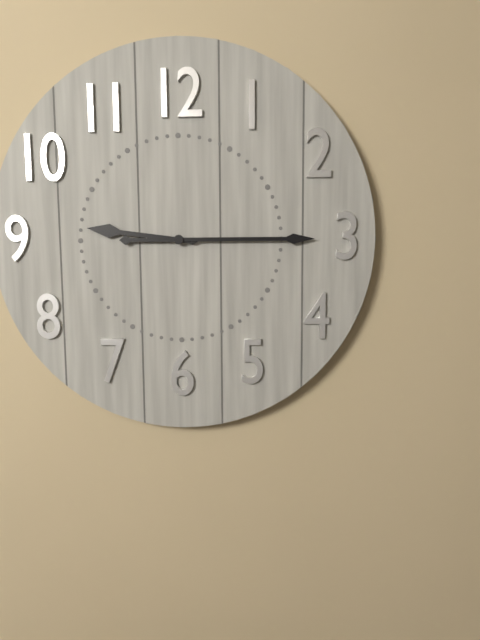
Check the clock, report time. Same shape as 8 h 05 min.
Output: 9 h 15 min
